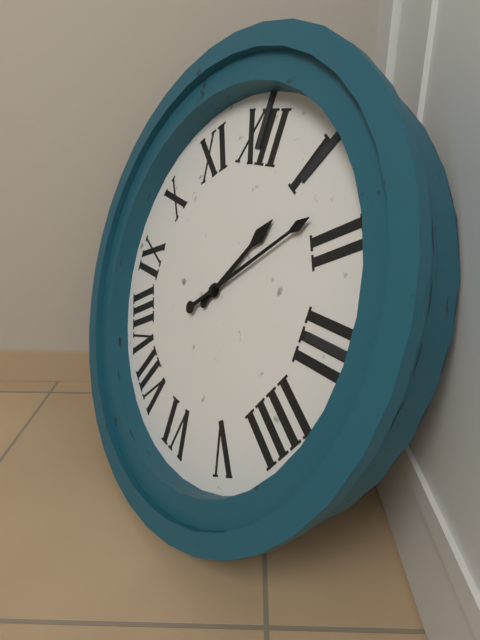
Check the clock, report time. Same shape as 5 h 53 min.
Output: 1 h 08 min
